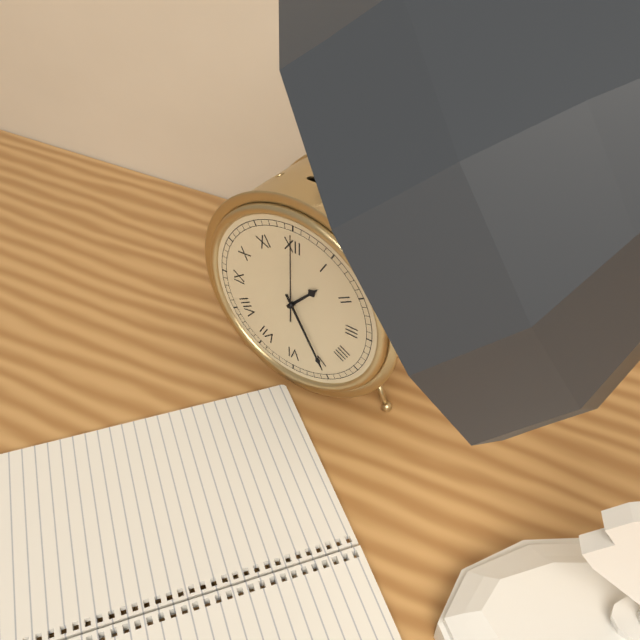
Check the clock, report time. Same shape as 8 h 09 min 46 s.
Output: 1 h 25 min 00 s
